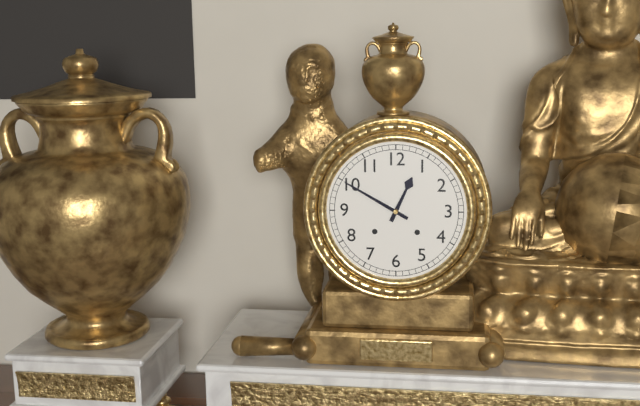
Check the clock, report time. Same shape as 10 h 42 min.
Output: 12 h 50 min
